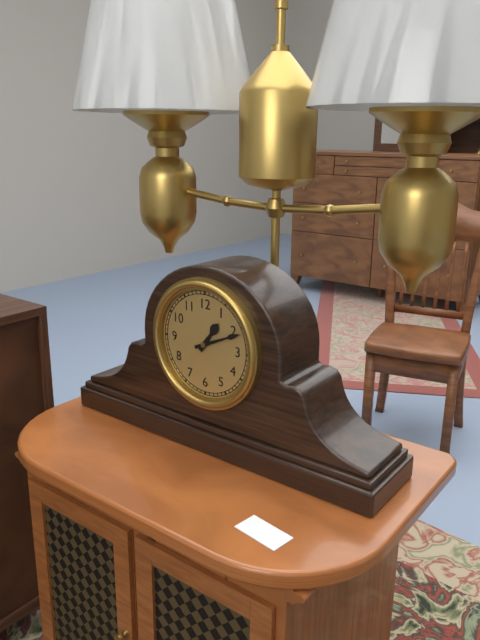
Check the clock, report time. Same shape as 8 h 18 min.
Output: 1 h 11 min
